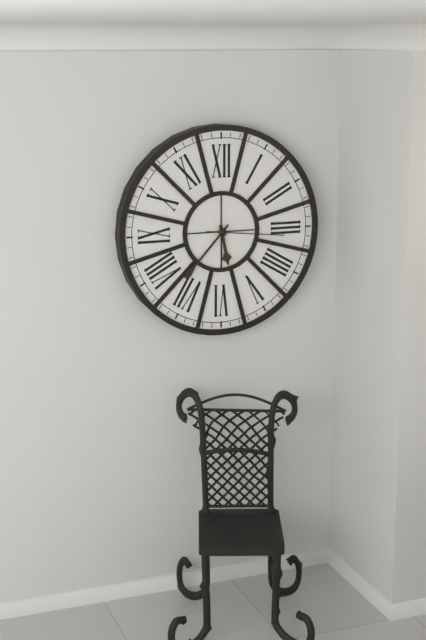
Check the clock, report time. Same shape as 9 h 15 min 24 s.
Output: 5 h 37 min 16 s
